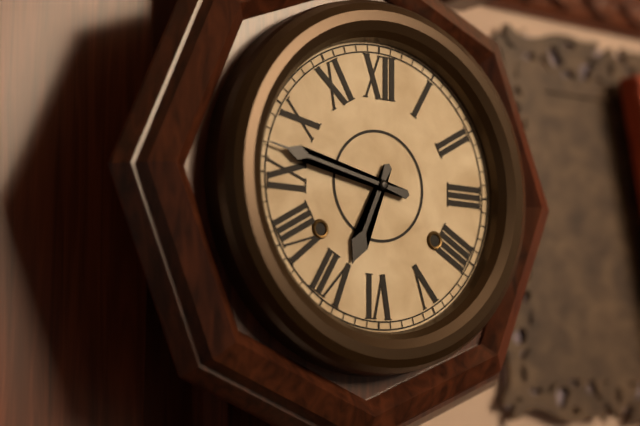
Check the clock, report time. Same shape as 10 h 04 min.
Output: 6 h 47 min
